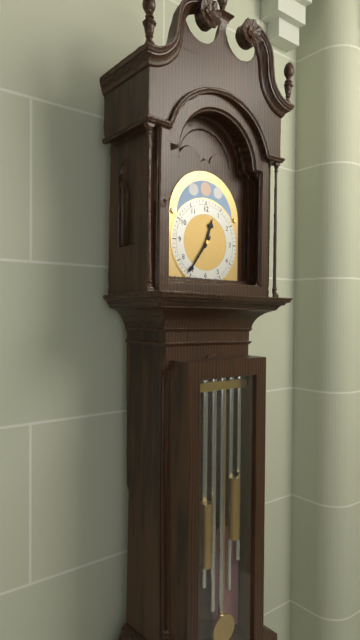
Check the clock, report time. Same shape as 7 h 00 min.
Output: 12 h 36 min
